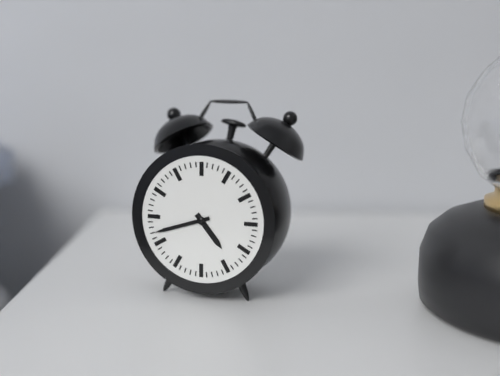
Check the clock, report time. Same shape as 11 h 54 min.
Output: 4 h 42 min
